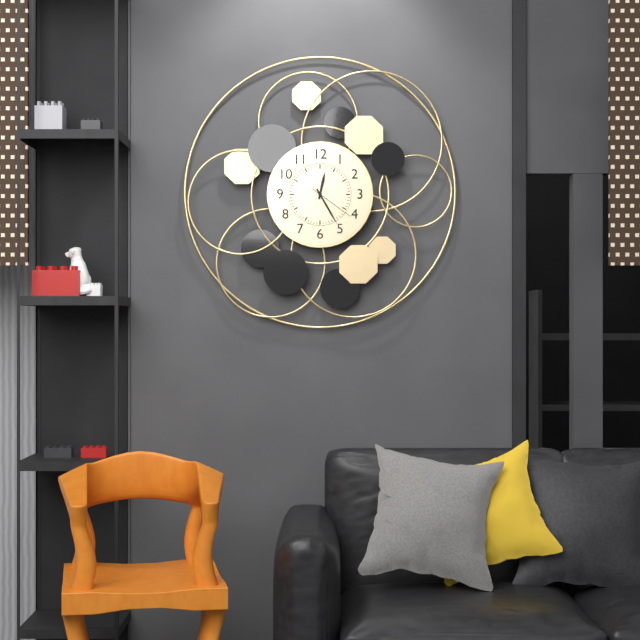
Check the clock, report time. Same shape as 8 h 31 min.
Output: 12 h 25 min
